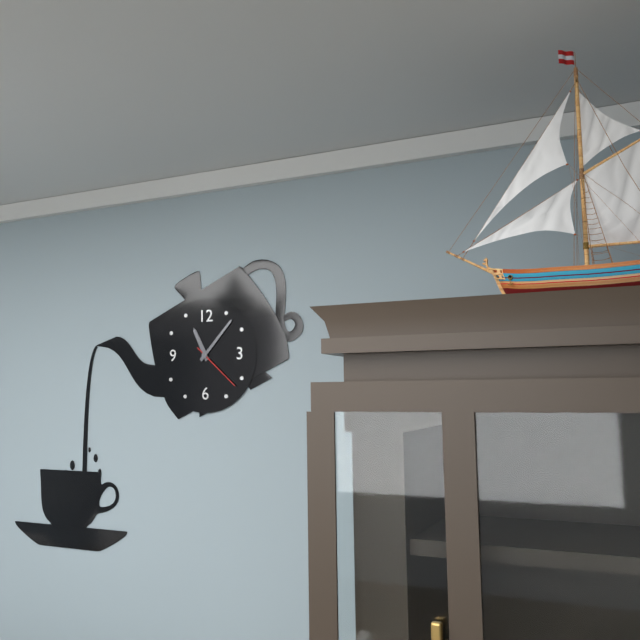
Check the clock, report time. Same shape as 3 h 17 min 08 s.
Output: 11 h 07 min 22 s
